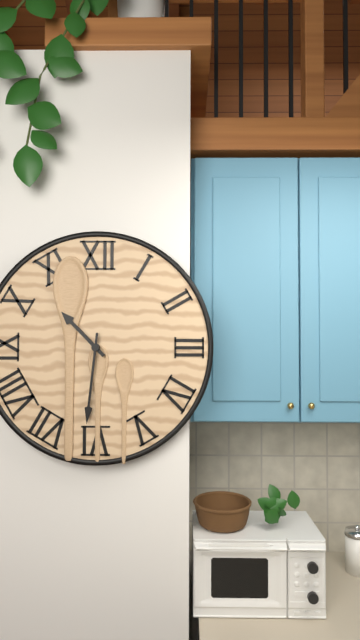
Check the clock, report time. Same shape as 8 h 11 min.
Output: 10 h 31 min
